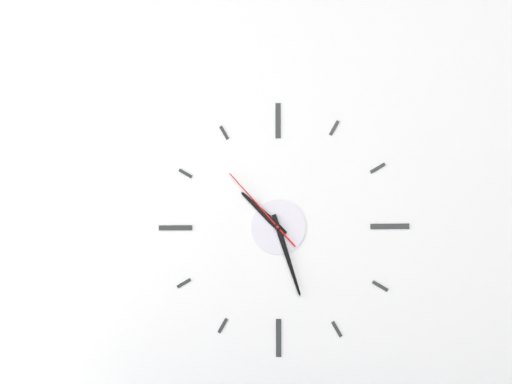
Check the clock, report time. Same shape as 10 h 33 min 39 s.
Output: 10 h 27 min 53 s
